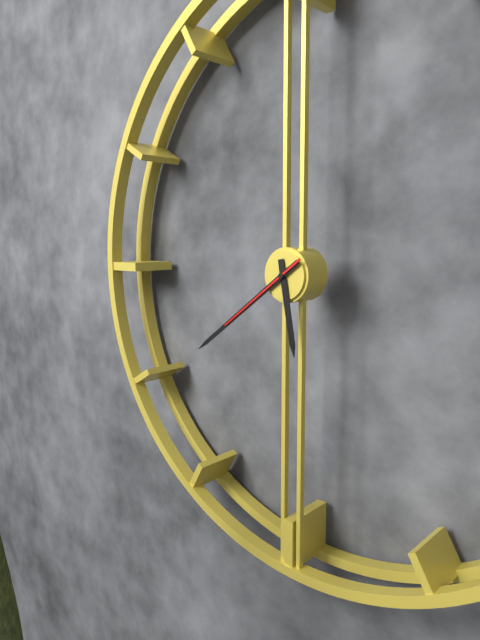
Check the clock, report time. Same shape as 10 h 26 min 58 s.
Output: 5 h 39 min 39 s
